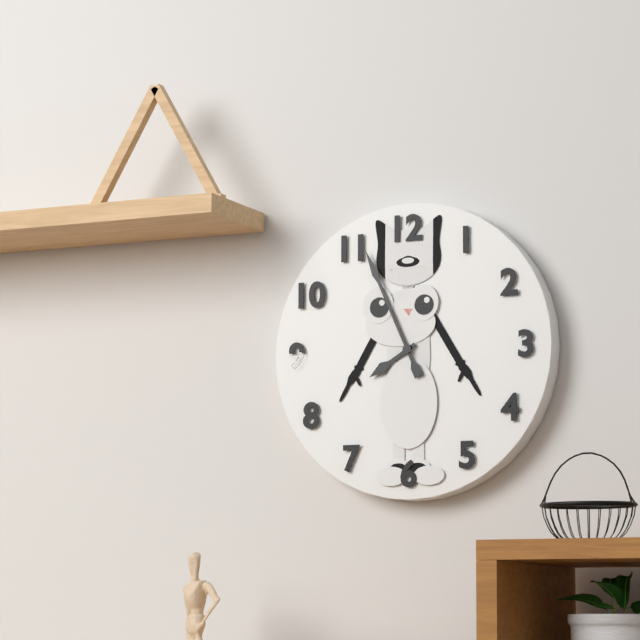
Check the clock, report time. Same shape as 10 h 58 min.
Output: 7 h 56 min
